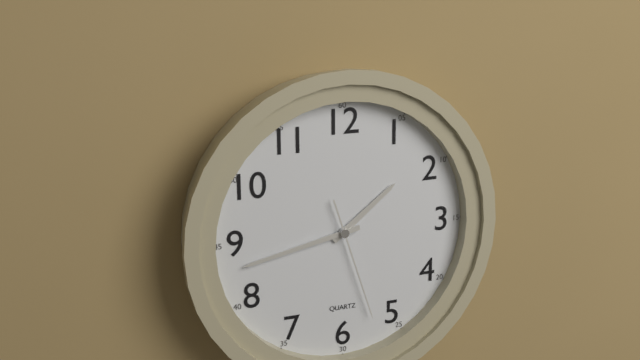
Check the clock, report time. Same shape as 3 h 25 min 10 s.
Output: 1 h 43 min 27 s
